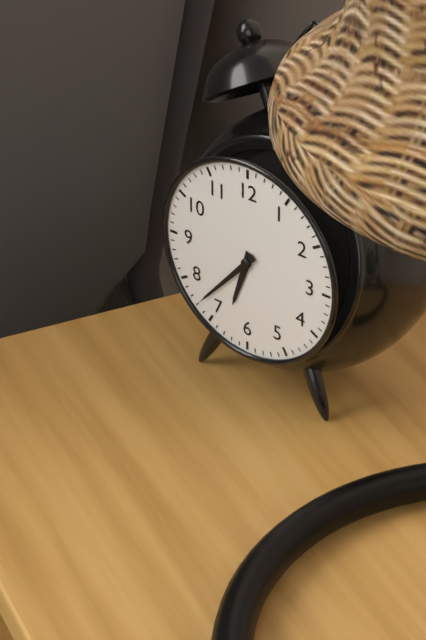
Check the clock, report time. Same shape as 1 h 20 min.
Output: 6 h 37 min
